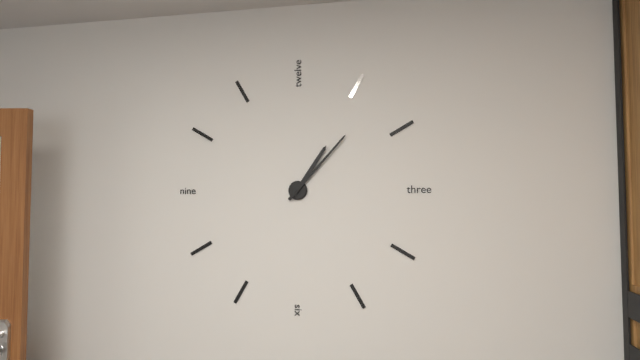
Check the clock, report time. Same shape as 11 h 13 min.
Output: 1 h 07 min
